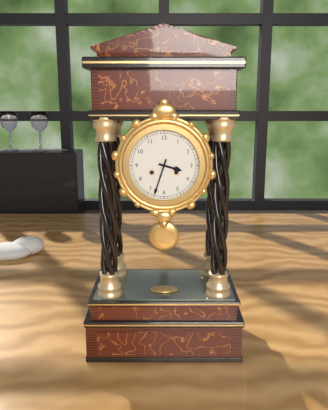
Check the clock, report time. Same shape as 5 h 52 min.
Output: 3 h 33 min
